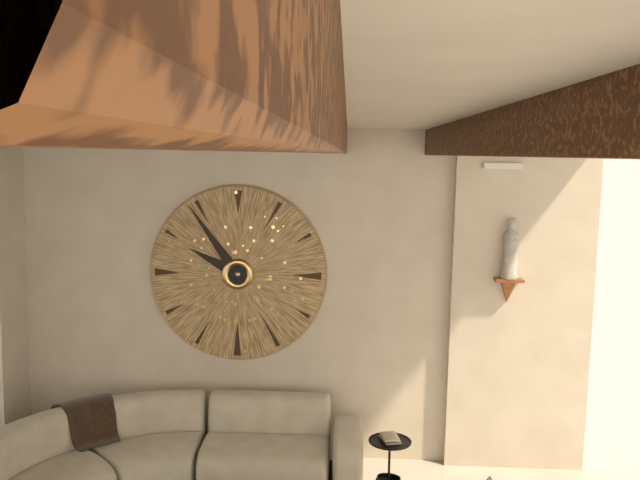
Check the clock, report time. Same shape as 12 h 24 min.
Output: 9 h 54 min
